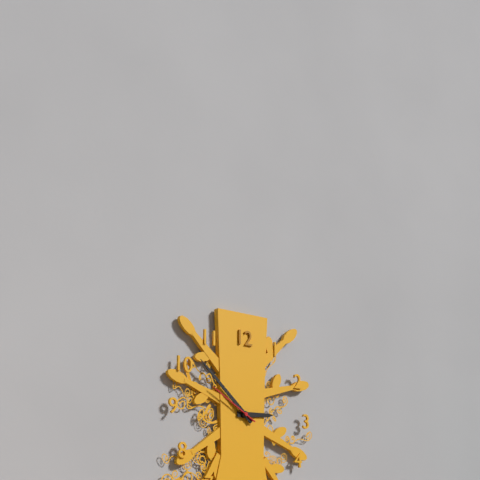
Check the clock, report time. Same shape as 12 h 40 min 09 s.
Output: 2 h 52 min 50 s
